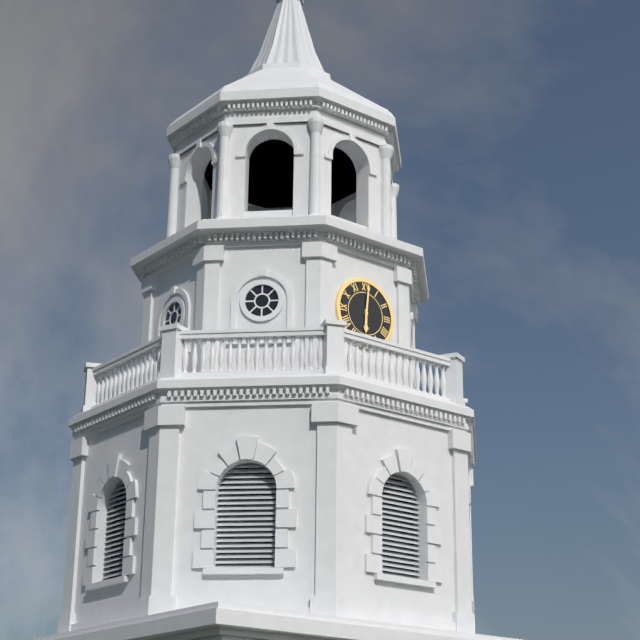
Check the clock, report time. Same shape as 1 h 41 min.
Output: 6 h 01 min
